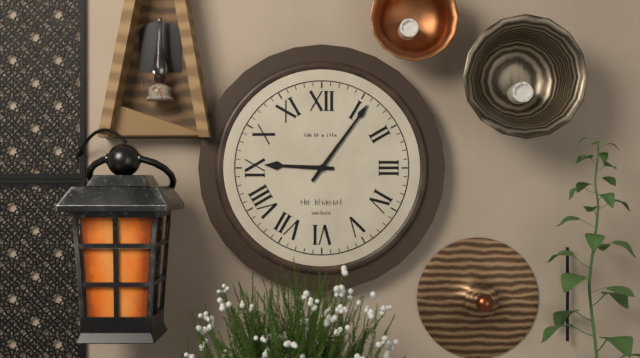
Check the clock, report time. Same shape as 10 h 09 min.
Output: 9 h 06 min
